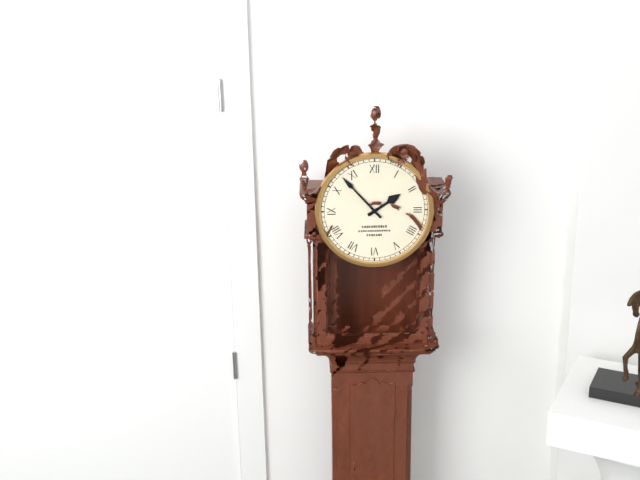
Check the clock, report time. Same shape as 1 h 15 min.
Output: 1 h 53 min
